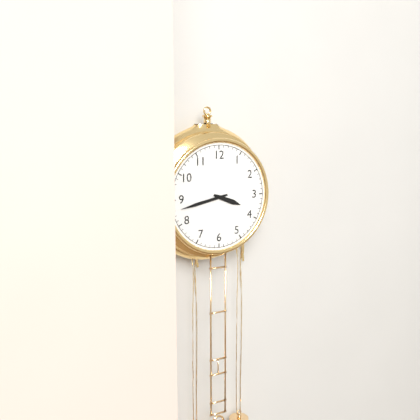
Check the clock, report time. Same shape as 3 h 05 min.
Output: 3 h 43 min
